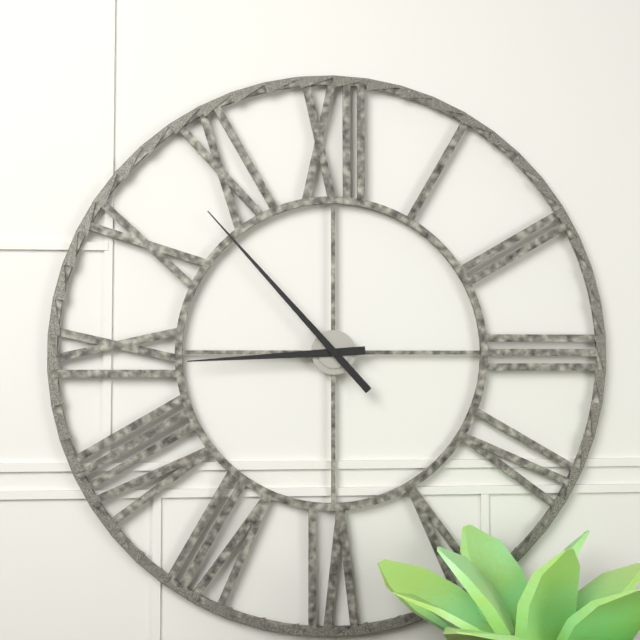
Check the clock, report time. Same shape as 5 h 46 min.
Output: 8 h 53 min
